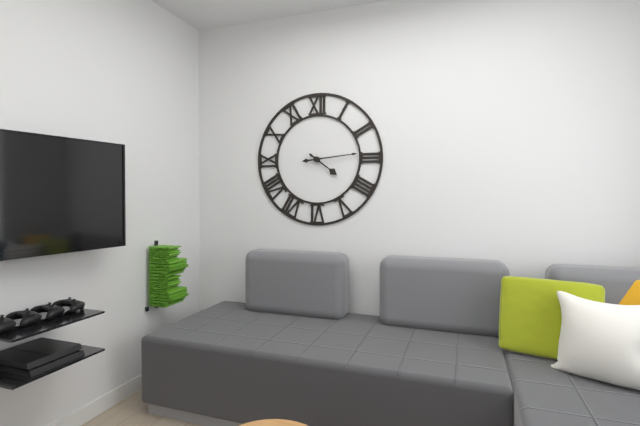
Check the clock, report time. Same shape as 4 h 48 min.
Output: 4 h 14 min
